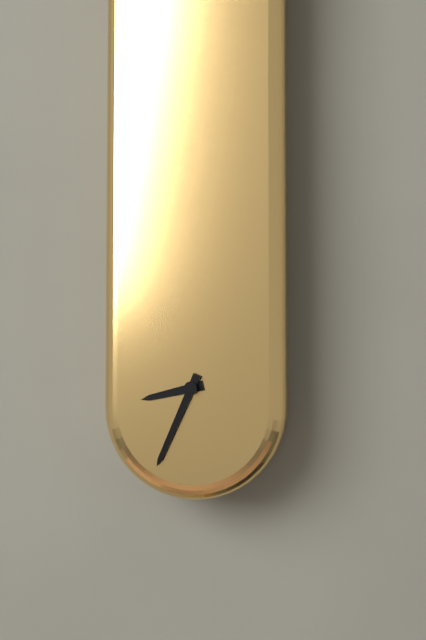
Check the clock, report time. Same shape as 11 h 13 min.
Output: 8 h 34 min
